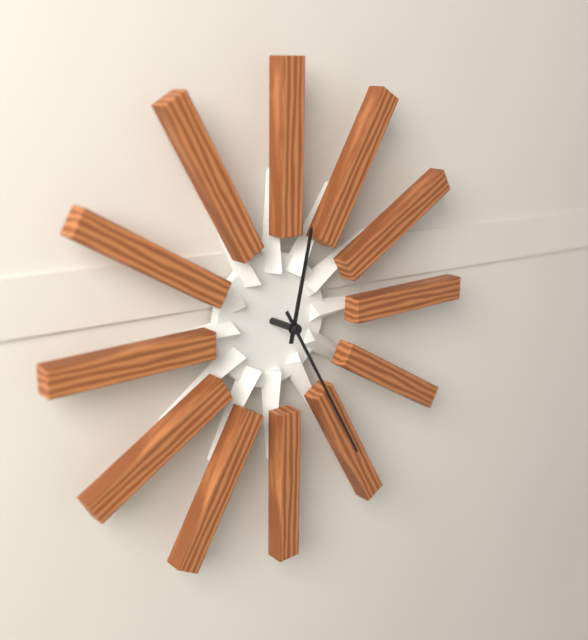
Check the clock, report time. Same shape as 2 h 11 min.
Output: 12 h 25 min
